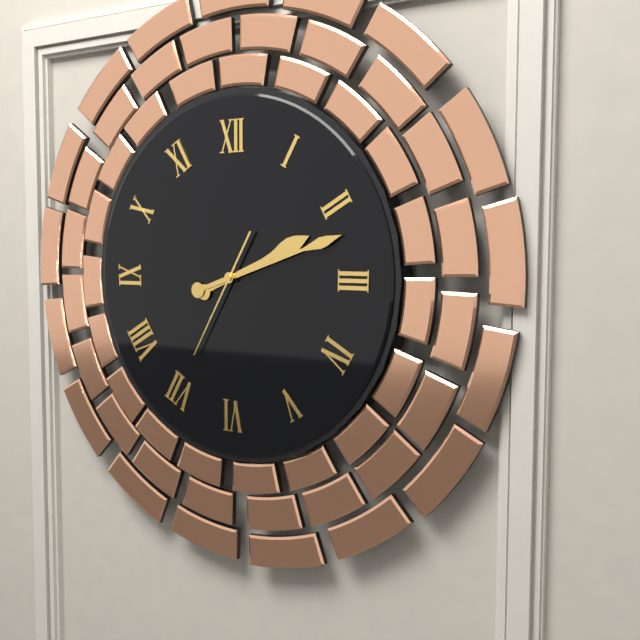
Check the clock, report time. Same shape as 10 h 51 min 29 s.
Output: 2 h 12 min 35 s
